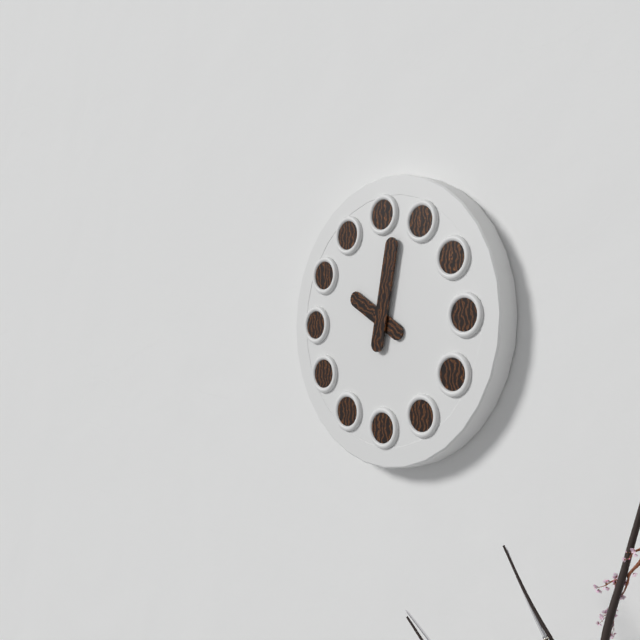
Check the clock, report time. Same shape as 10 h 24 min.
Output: 10 h 02 min
